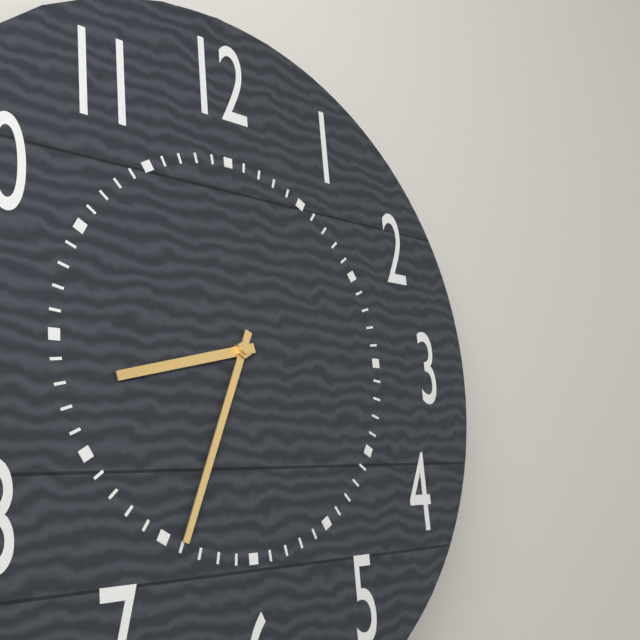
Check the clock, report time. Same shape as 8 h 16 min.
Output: 8 h 34 min
